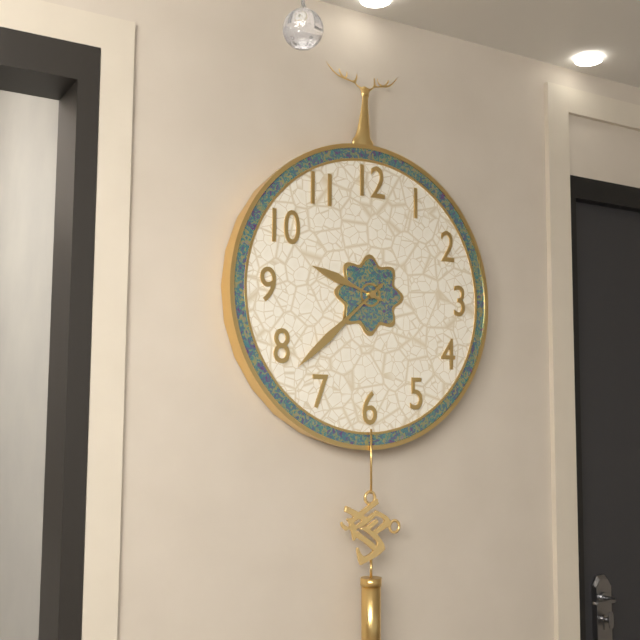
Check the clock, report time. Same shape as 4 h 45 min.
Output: 9 h 38 min
